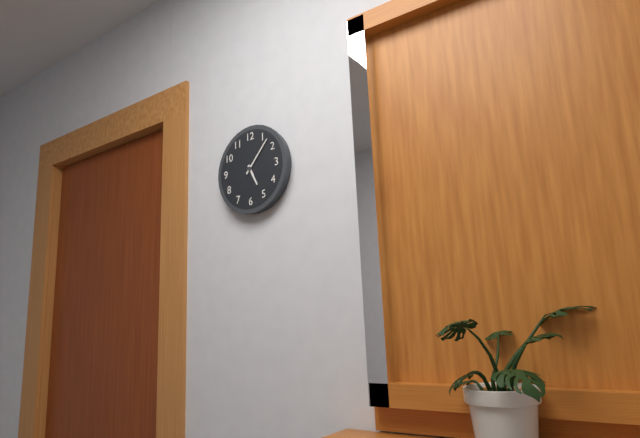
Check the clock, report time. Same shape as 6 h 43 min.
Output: 5 h 07 min
